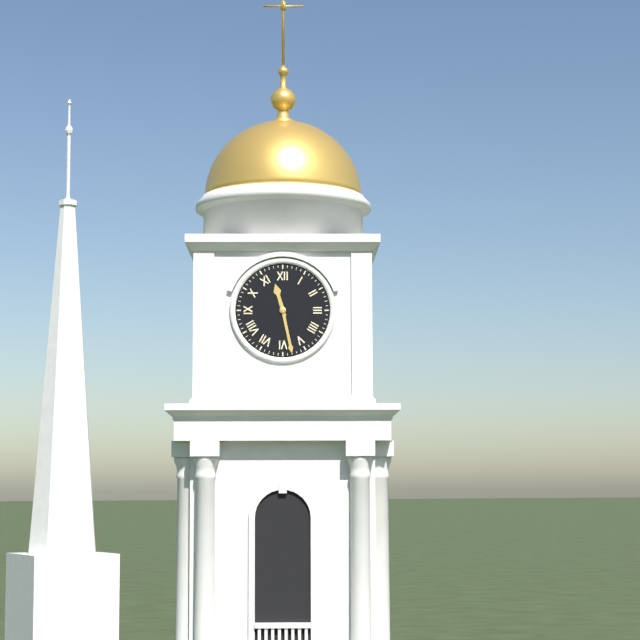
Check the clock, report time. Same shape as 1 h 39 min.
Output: 11 h 28 min
